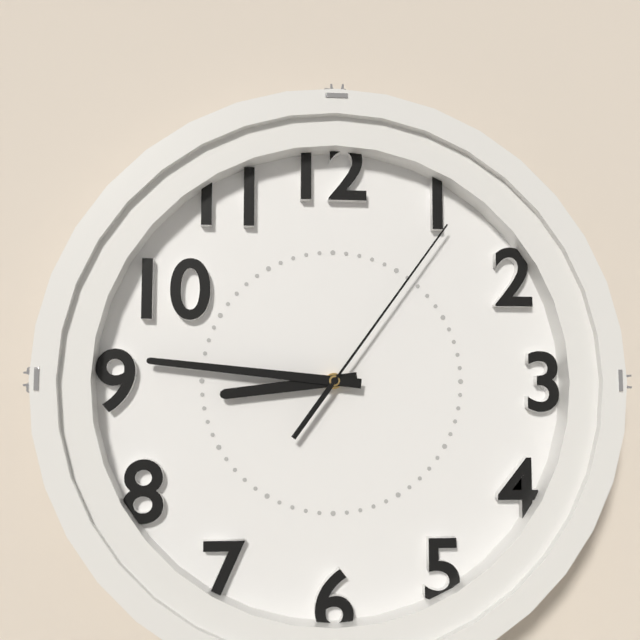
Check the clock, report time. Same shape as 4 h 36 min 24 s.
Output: 8 h 46 min 06 s
